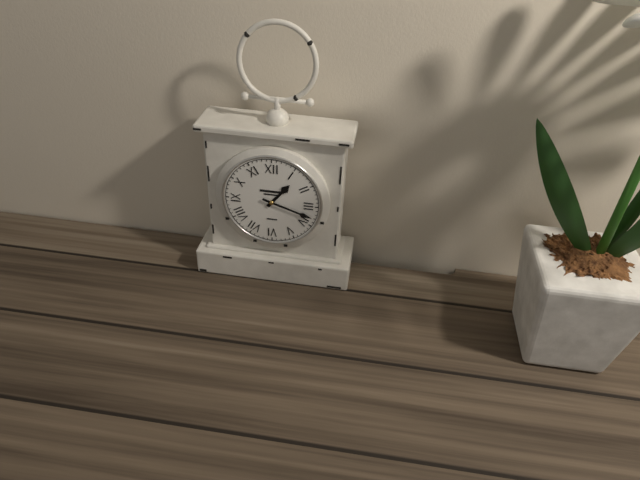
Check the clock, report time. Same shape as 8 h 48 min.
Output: 1 h 18 min
